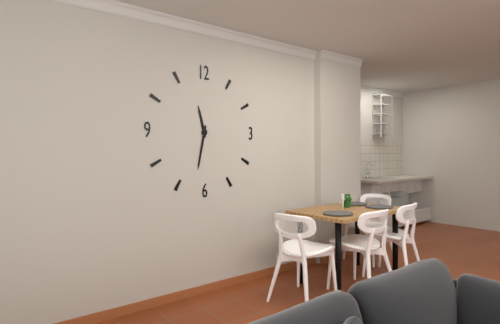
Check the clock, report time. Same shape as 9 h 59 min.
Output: 11 h 32 min
